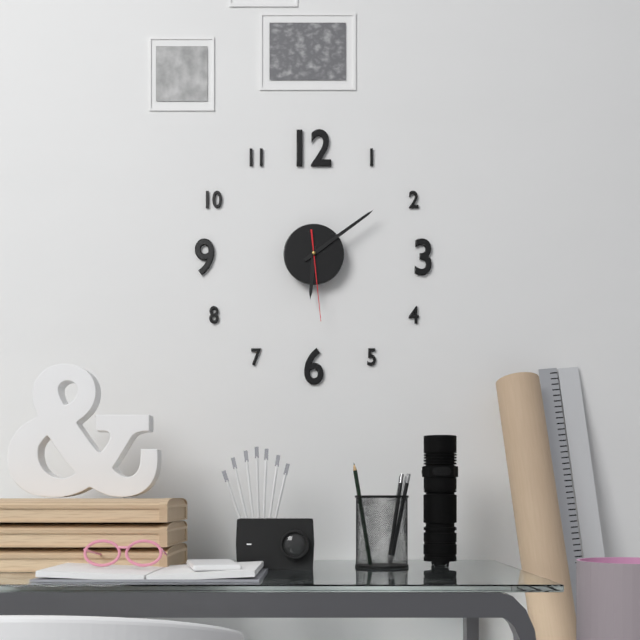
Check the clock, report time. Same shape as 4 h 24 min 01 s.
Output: 6 h 09 min 29 s
